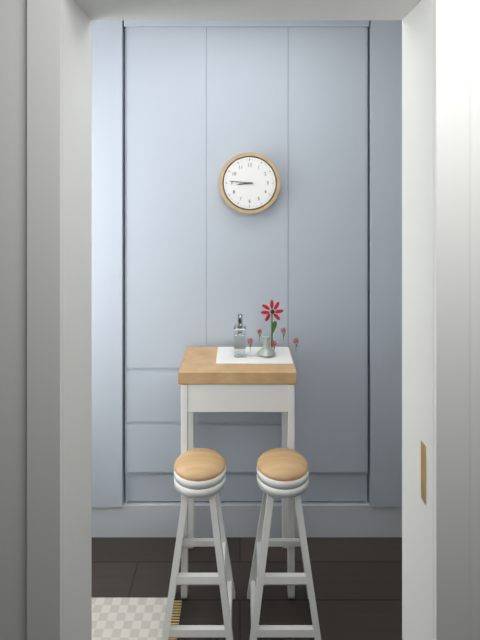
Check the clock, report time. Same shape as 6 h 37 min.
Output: 8 h 46 min
